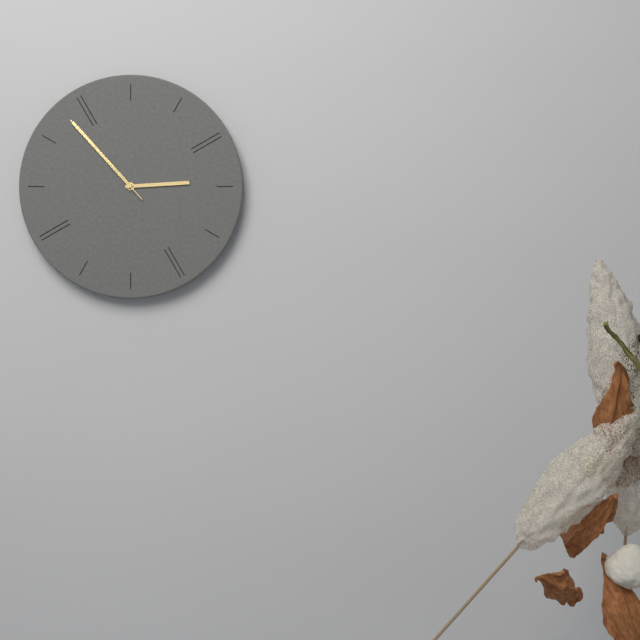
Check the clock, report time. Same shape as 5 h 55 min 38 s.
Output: 2 h 53 min 53 s
